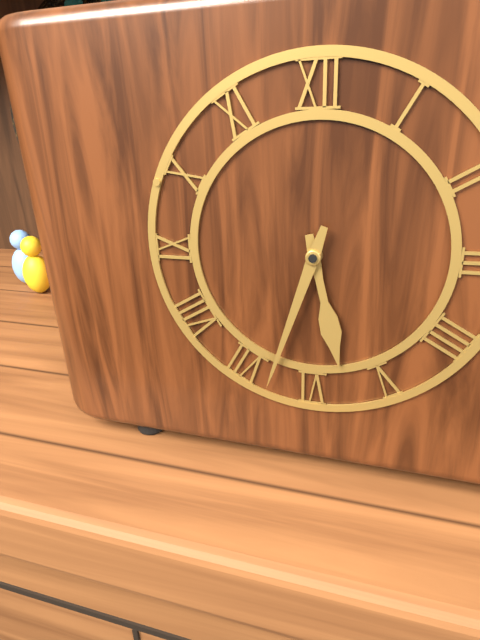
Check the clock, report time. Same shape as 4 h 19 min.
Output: 5 h 33 min
